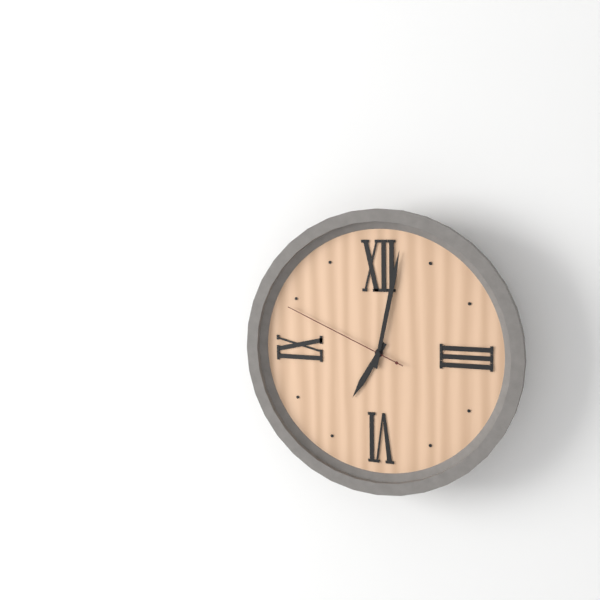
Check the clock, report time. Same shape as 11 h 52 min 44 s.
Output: 7 h 02 min 49 s
